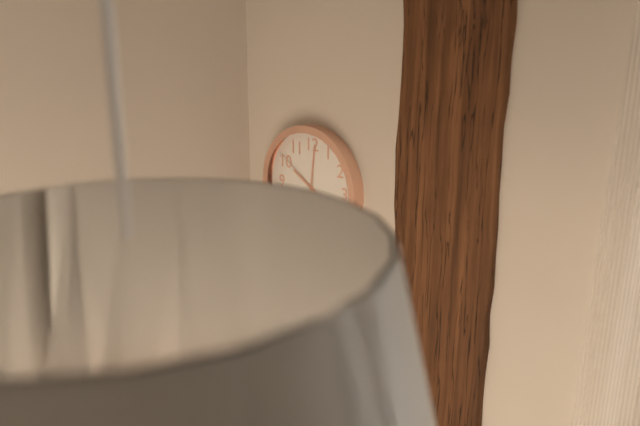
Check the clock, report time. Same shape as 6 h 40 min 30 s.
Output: 10 h 01 min 51 s
